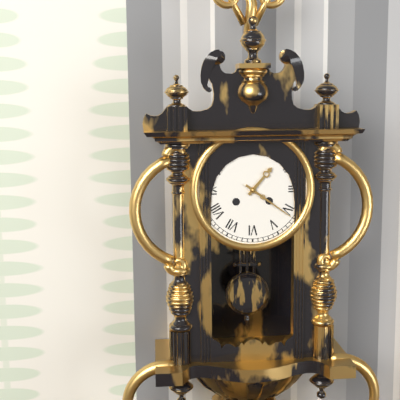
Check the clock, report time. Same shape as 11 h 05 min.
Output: 1 h 21 min
